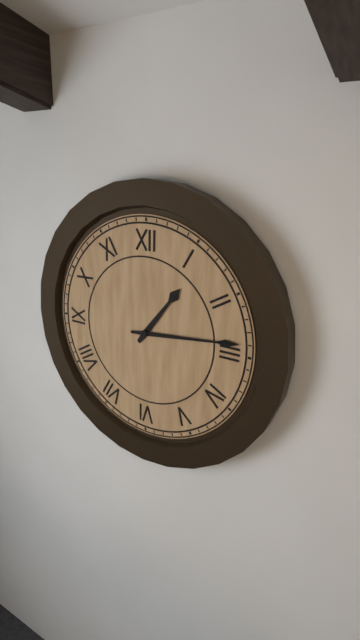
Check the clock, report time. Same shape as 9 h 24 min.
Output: 1 h 14 min
